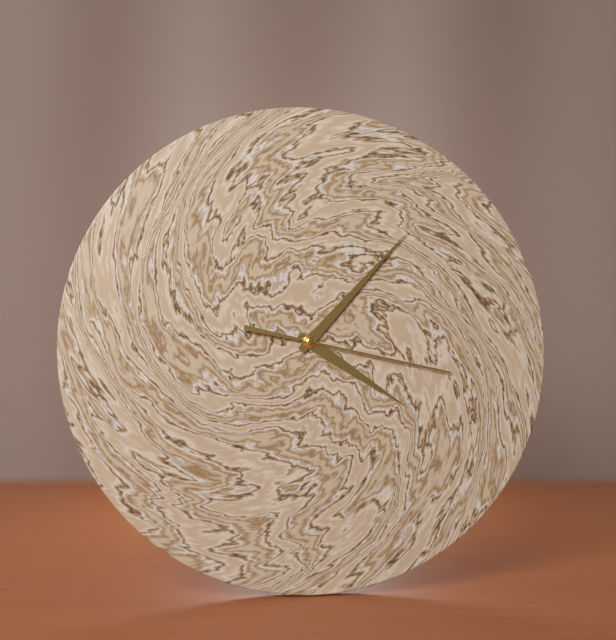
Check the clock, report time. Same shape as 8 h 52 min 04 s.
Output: 4 h 07 min 17 s
